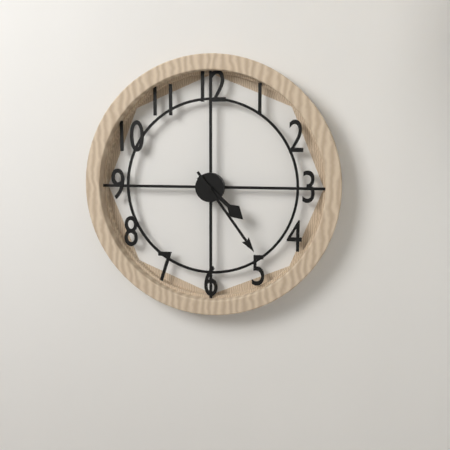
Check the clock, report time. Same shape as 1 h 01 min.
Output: 4 h 24 min
